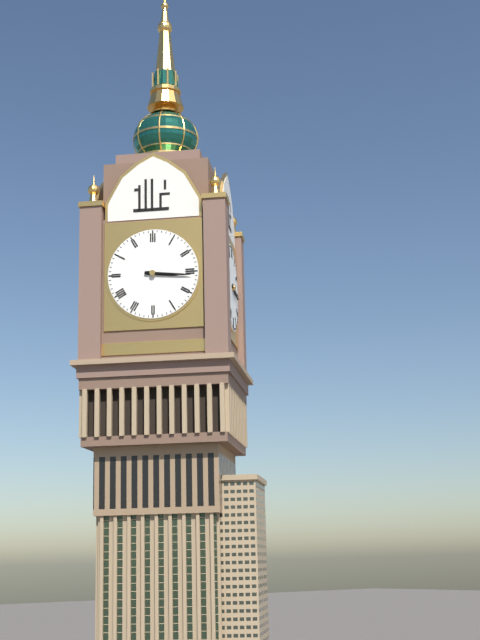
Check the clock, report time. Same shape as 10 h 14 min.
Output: 3 h 16 min
